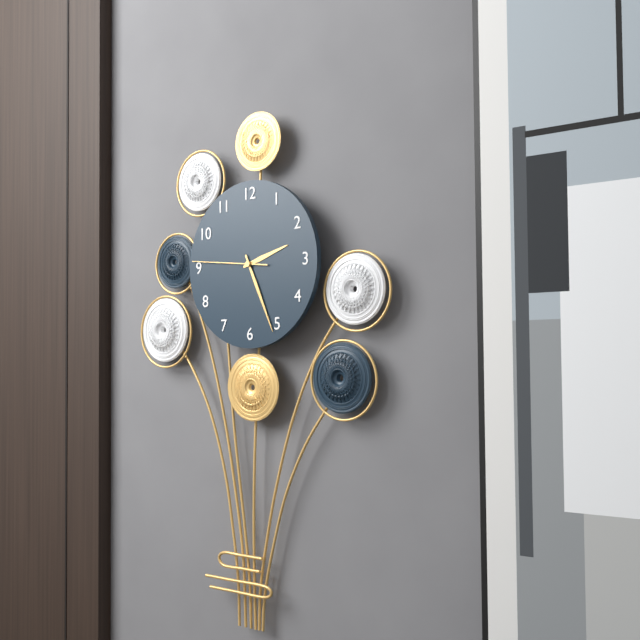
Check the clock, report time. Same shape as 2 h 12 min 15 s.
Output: 2 h 26 min 46 s
